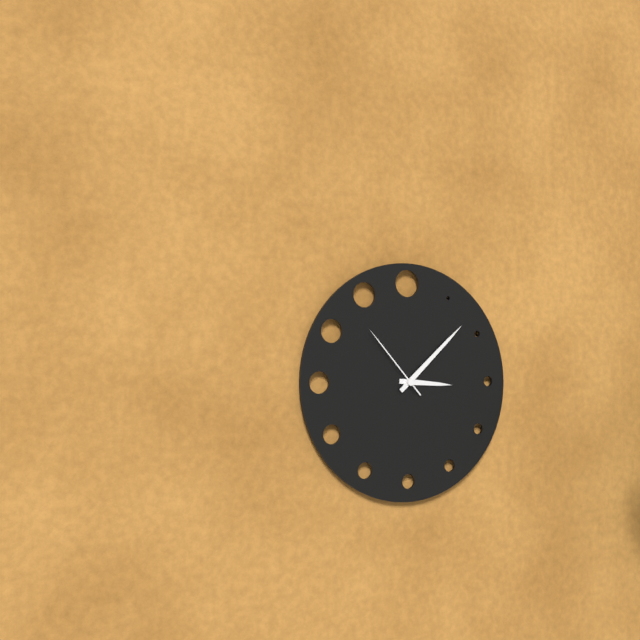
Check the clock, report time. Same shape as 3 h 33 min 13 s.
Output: 3 h 08 min 53 s
